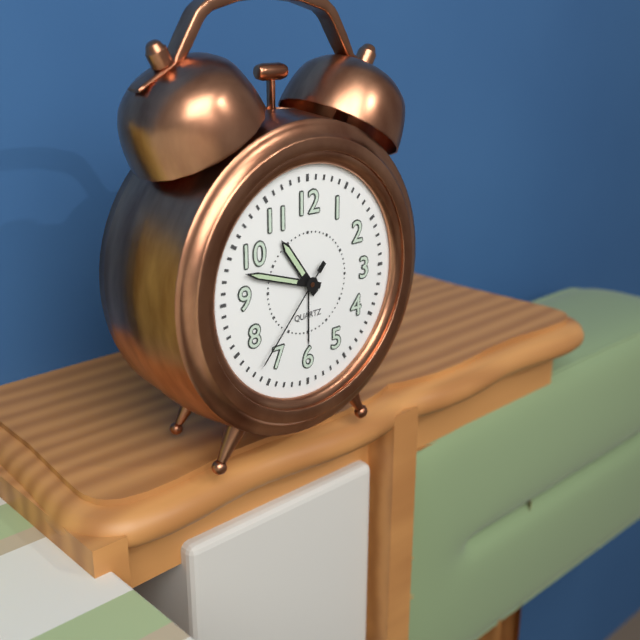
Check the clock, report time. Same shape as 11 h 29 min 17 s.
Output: 10 h 48 min 37 s
